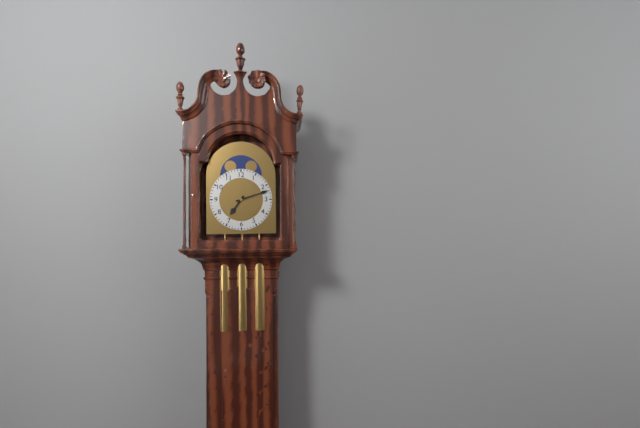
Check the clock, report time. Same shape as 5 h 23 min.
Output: 7 h 12 min
